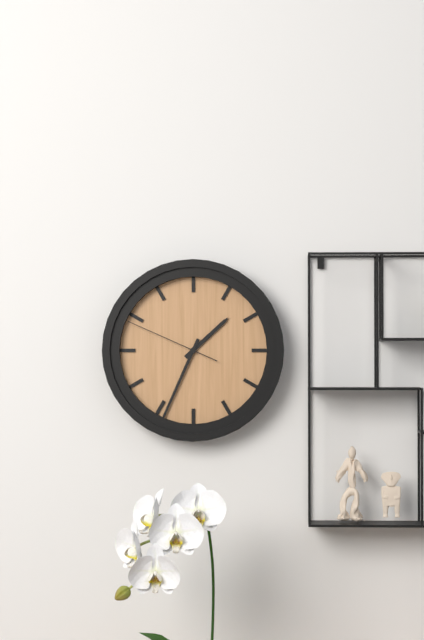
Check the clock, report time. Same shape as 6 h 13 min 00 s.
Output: 1 h 34 min 49 s
